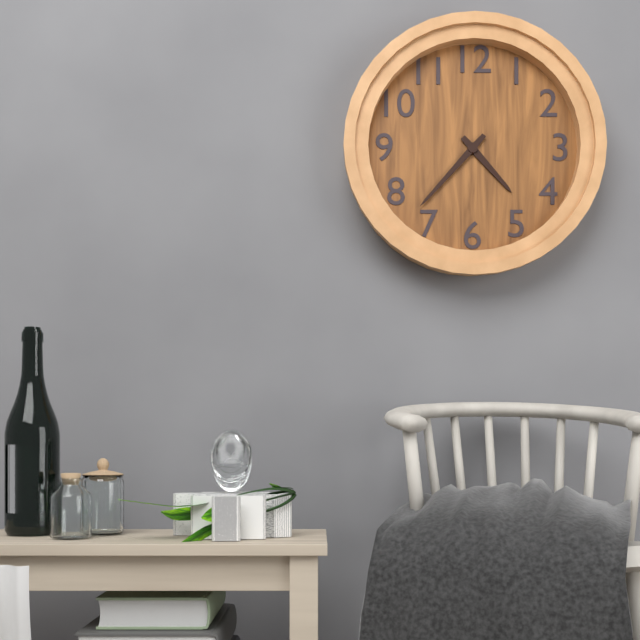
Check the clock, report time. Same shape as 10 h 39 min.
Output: 4 h 37 min
